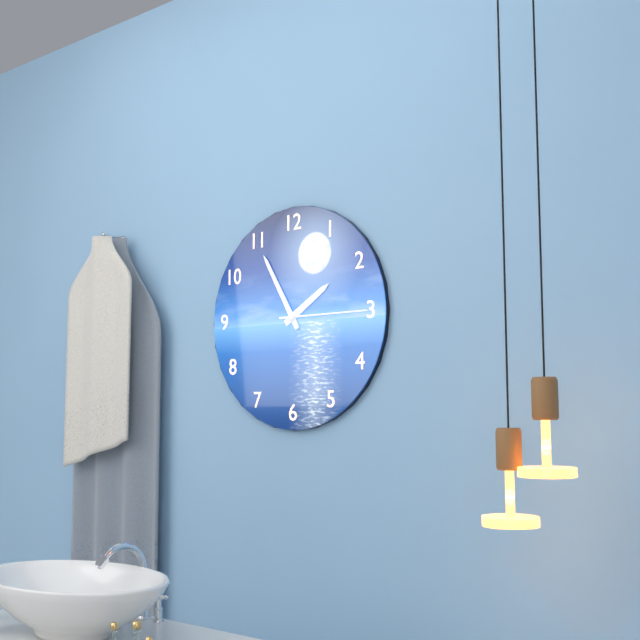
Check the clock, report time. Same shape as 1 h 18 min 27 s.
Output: 1 h 55 min 15 s
